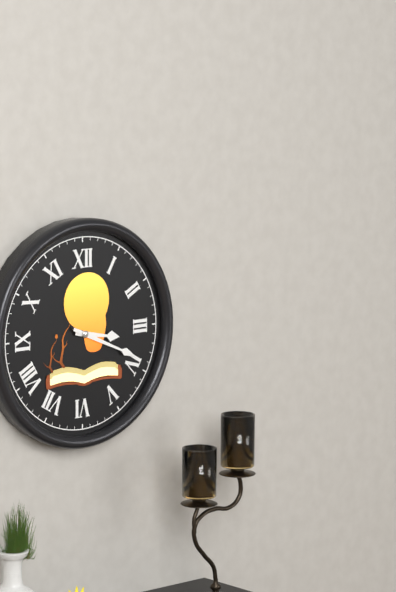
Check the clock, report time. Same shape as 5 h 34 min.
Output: 3 h 19 min
